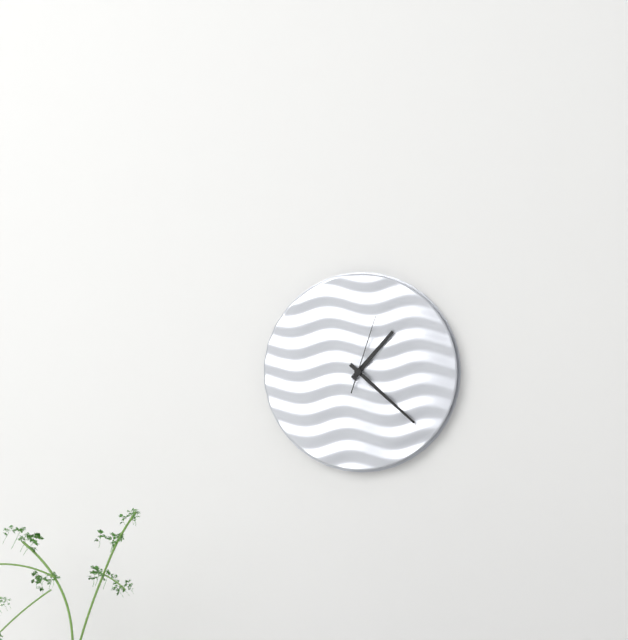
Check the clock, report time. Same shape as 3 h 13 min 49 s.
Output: 1 h 22 min 03 s
